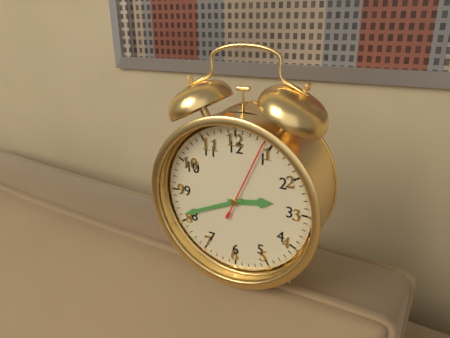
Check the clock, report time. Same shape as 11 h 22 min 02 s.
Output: 2 h 41 min 04 s
